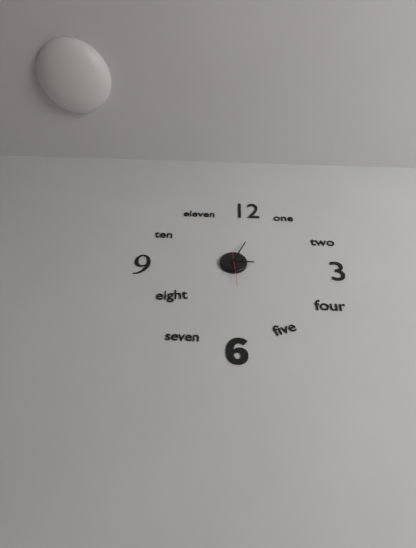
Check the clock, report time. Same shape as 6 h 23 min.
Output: 3 h 04 min
